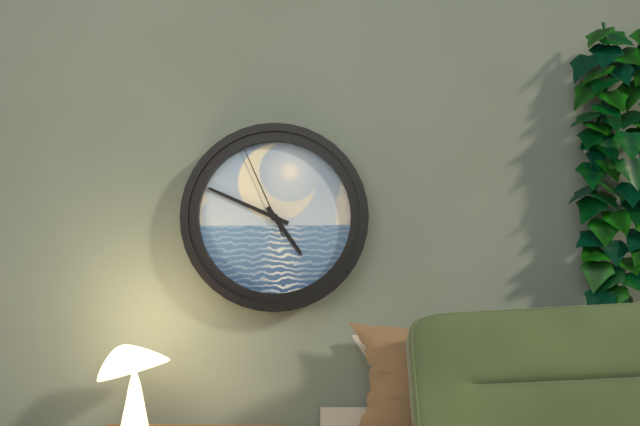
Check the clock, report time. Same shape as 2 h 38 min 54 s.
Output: 4 h 49 min 56 s
